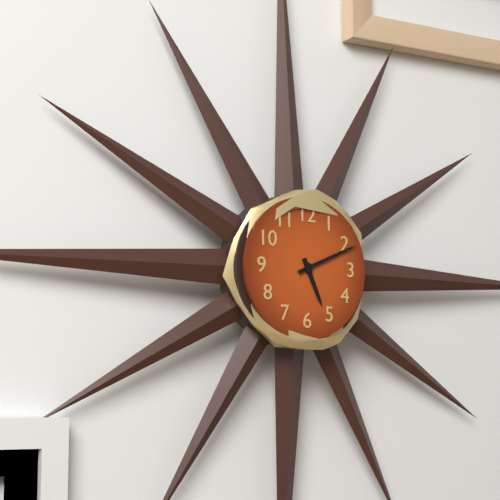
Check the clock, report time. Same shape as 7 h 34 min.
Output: 5 h 11 min
